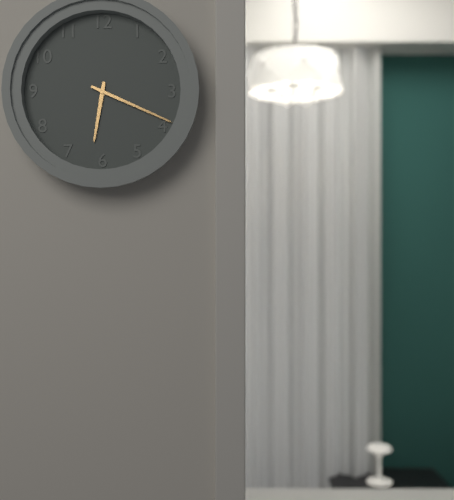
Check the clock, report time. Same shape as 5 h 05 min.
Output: 6 h 19 min
